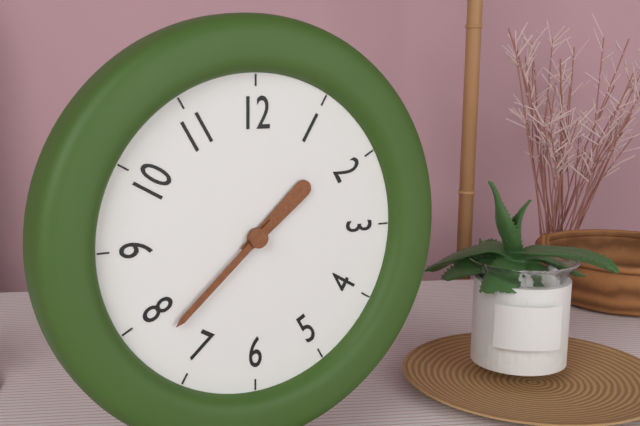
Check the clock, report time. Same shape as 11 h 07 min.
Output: 1 h 38 min
